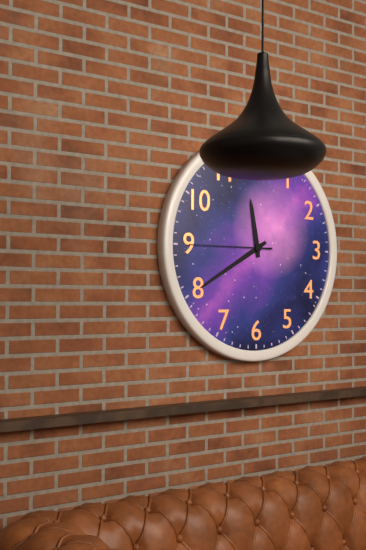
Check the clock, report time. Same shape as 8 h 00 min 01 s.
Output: 11 h 40 min 45 s
